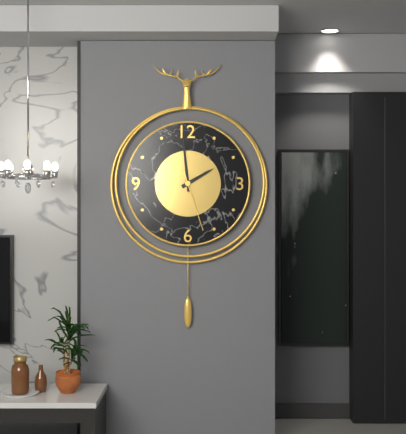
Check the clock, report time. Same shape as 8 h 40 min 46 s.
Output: 1 h 59 min 27 s
